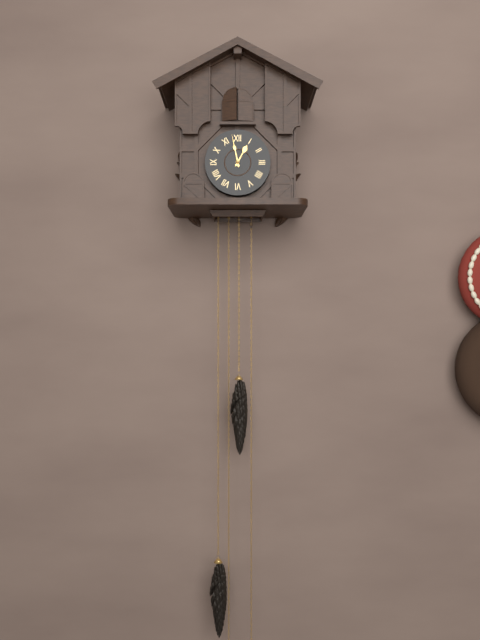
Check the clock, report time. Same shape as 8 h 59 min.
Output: 12 h 58 min
